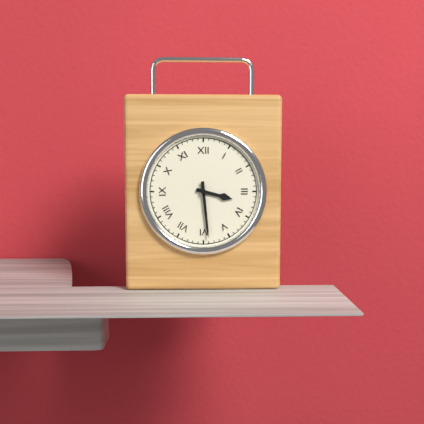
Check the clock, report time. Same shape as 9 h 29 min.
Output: 3 h 29 min
